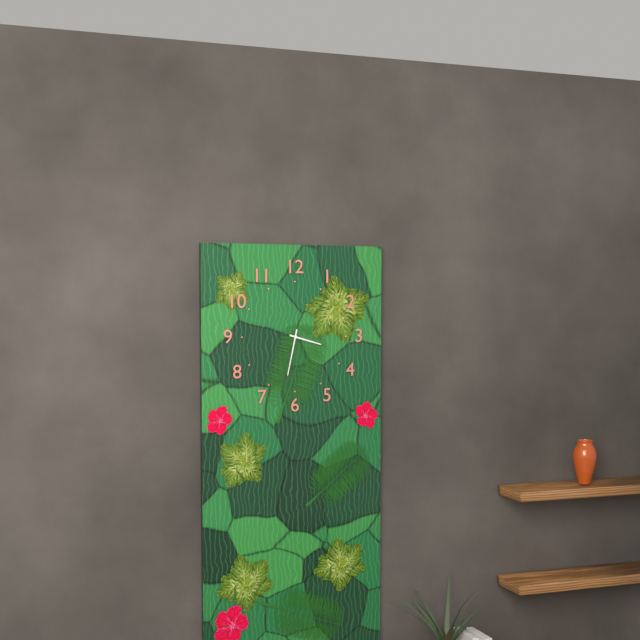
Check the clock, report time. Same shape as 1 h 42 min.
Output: 3 h 32 min
